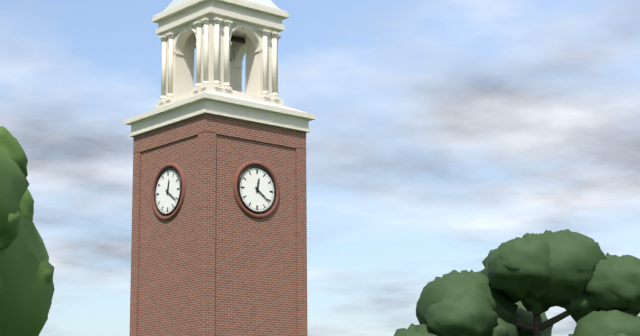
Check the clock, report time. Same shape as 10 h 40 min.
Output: 12 h 21 min
